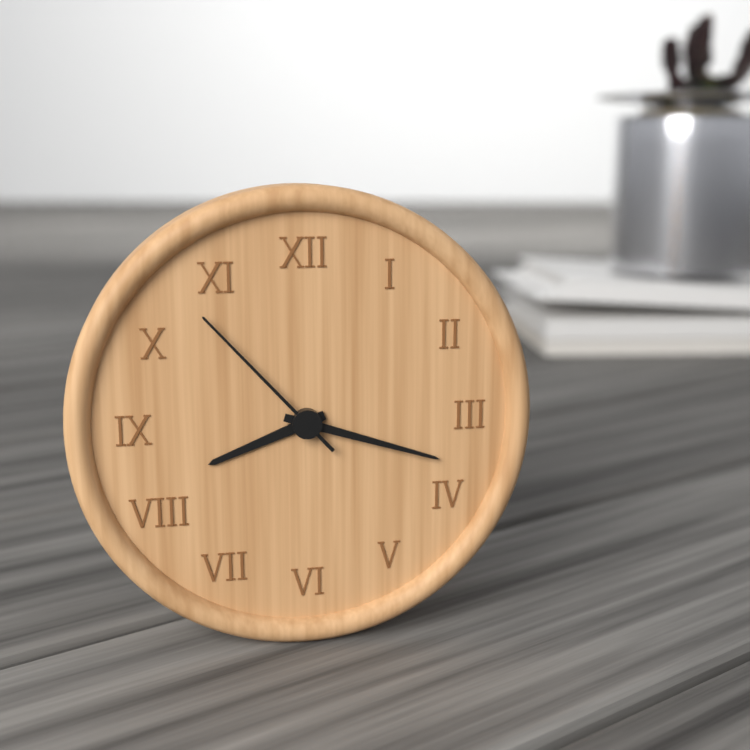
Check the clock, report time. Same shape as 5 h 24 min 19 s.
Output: 8 h 18 min 53 s
